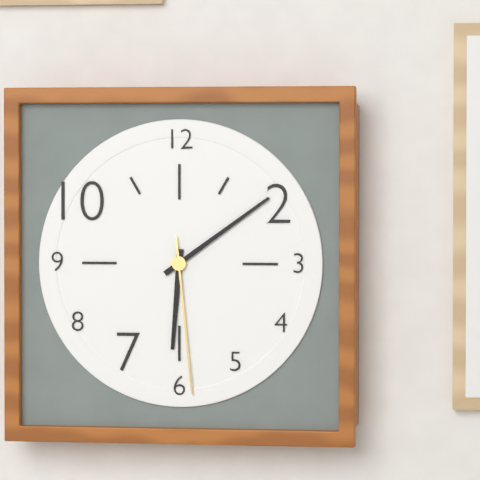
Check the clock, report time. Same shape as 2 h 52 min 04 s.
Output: 6 h 09 min 29 s
